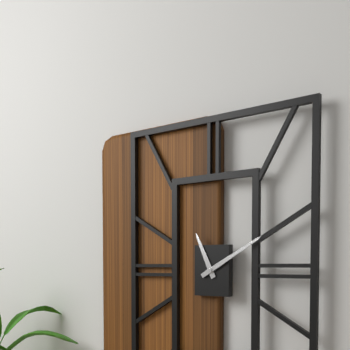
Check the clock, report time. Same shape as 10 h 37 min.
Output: 11 h 10 min
